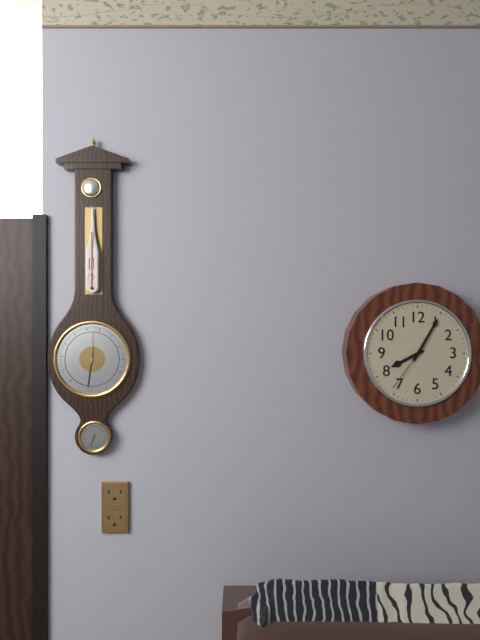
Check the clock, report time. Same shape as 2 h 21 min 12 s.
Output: 8 h 05 min 36 s
